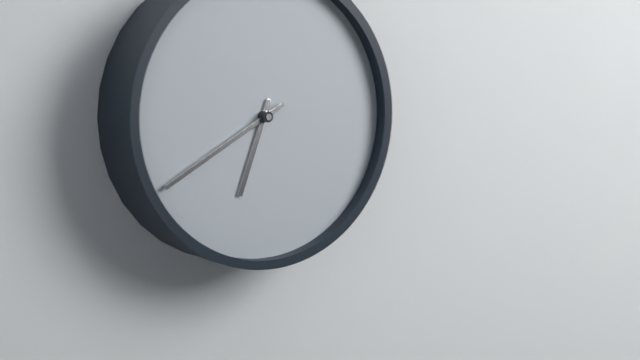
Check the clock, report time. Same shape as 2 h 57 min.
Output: 6 h 40 min
